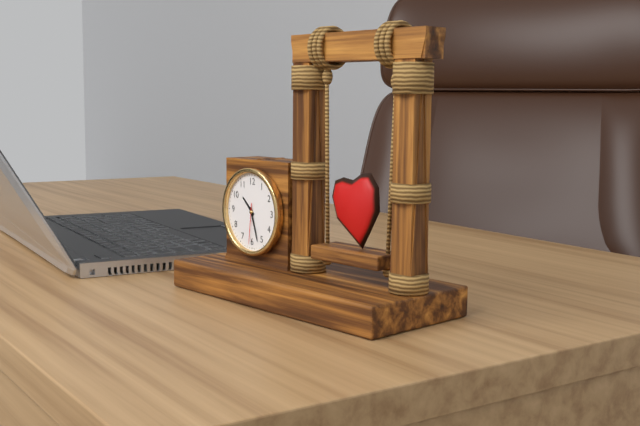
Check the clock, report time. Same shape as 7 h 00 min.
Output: 10 h 27 min
